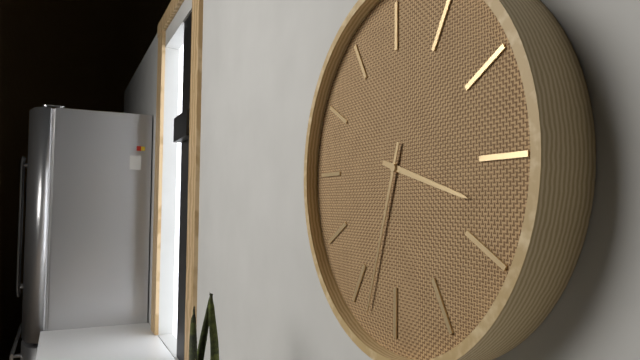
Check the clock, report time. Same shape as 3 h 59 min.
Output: 3 h 33 min
